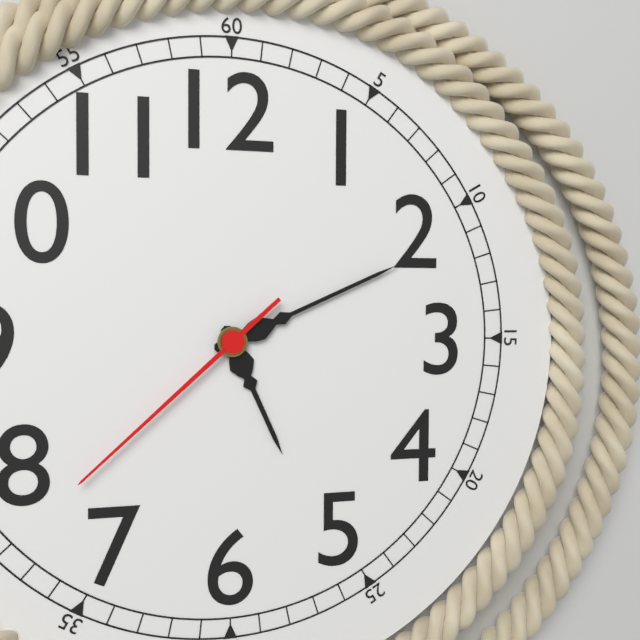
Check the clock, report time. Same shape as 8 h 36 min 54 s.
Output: 5 h 11 min 38 s
